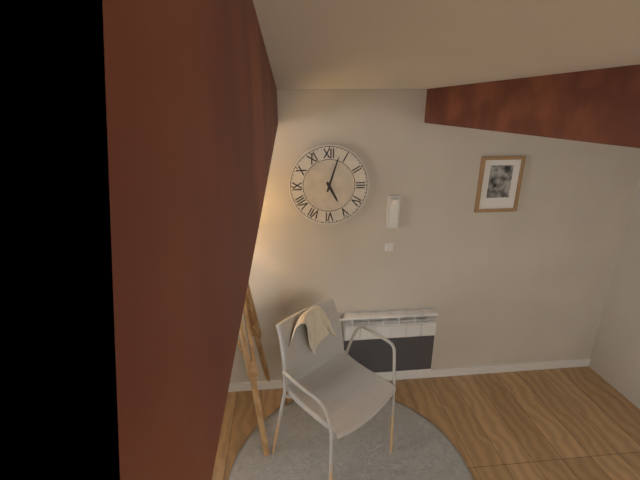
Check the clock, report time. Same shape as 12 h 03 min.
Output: 5 h 03 min
